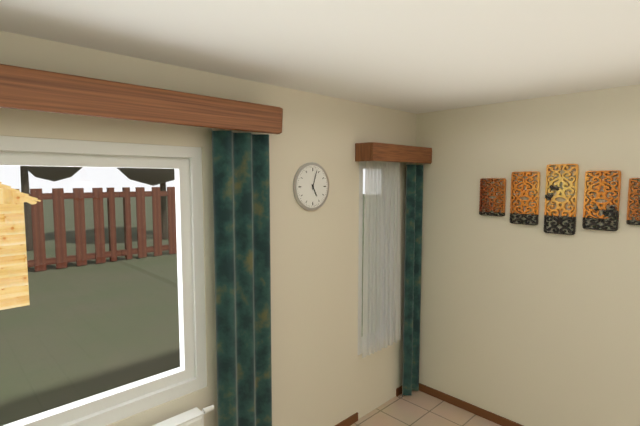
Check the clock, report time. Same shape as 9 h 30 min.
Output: 5 h 03 min
